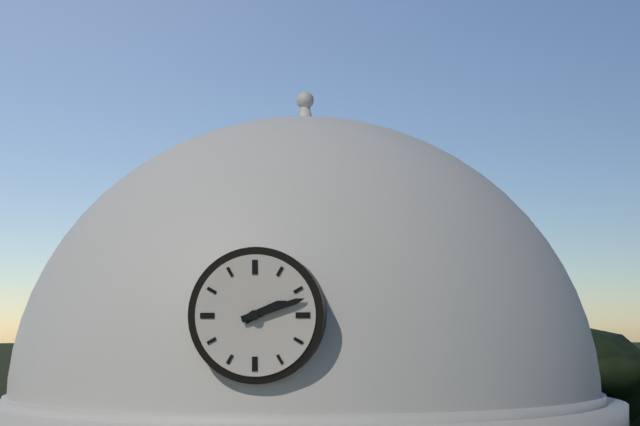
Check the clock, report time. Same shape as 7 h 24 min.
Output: 2 h 12 min
